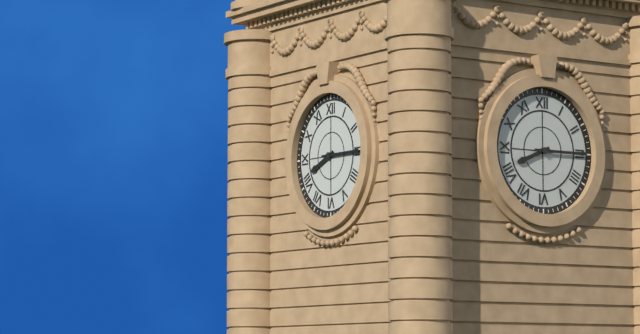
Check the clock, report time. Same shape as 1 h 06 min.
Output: 8 h 15 min
